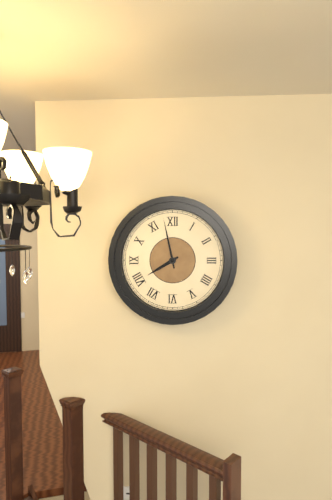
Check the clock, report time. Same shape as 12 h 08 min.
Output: 7 h 58 min
